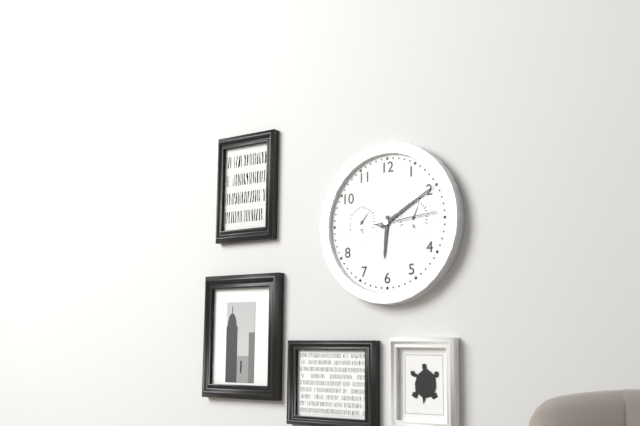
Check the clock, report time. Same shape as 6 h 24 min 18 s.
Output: 6 h 10 min 14 s
